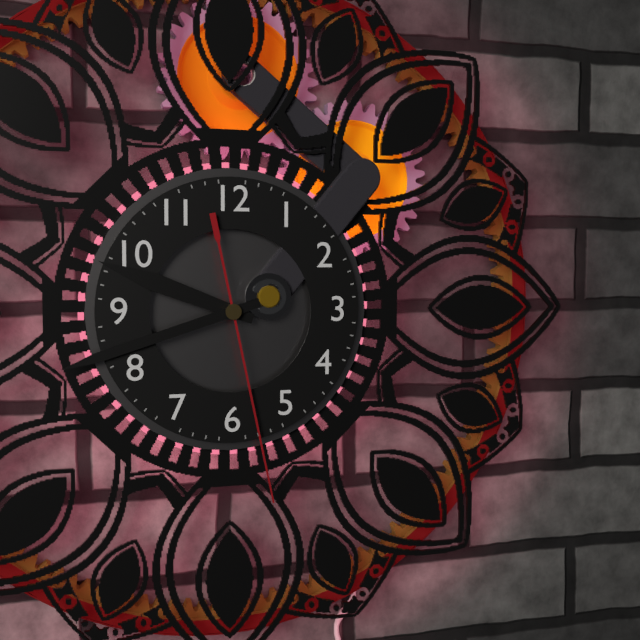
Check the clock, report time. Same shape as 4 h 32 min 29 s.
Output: 9 h 42 min 28 s
